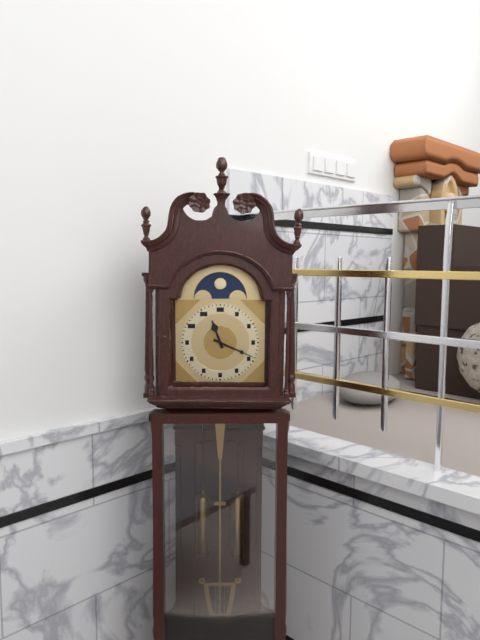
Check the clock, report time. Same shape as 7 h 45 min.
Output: 11 h 19 min
